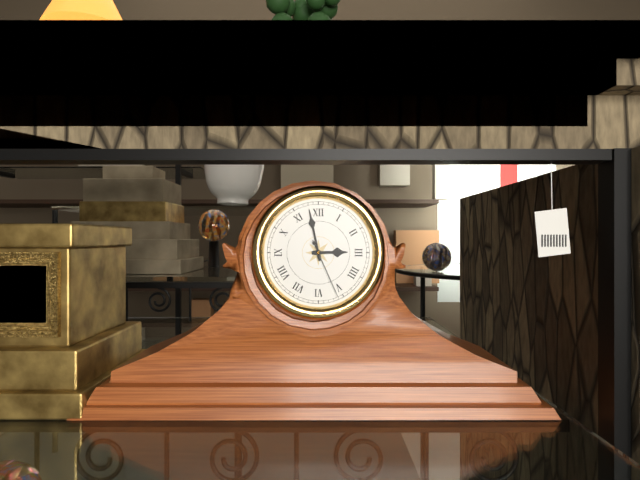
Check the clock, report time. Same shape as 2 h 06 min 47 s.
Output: 2 h 58 min 26 s
